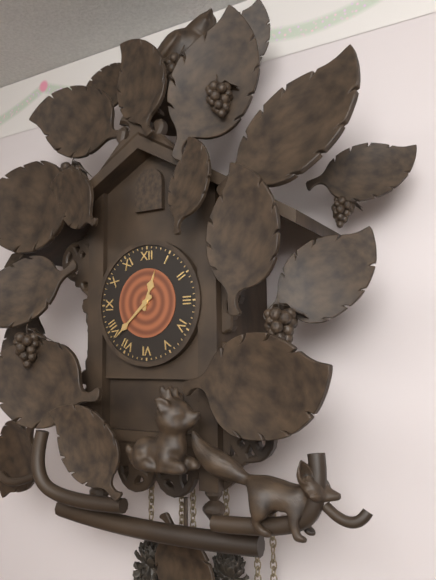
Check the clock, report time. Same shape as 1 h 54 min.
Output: 12 h 38 min
